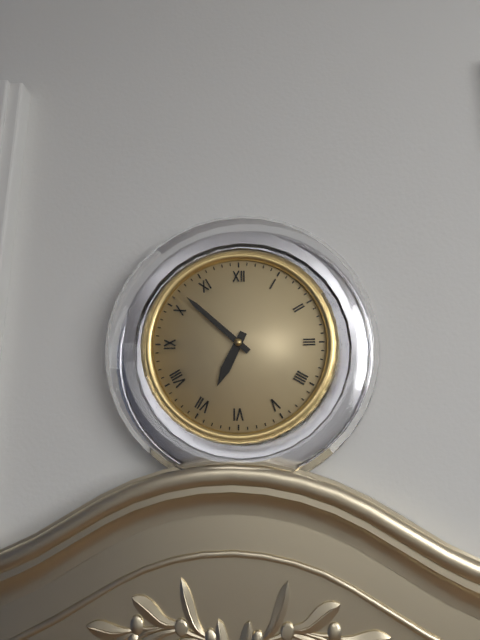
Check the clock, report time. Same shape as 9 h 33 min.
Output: 6 h 52 min
